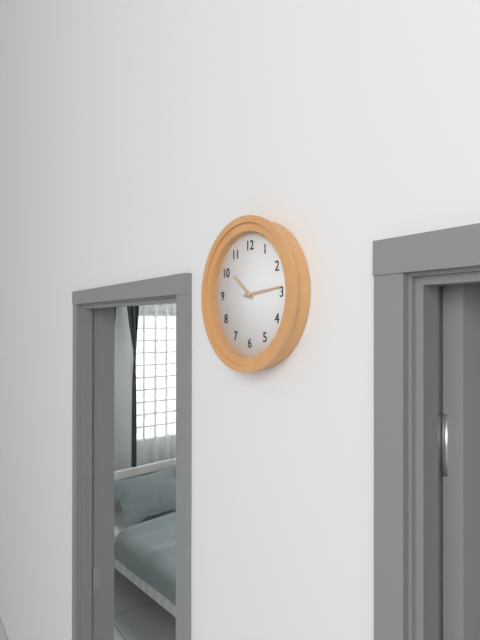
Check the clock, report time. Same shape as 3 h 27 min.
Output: 10 h 14 min
